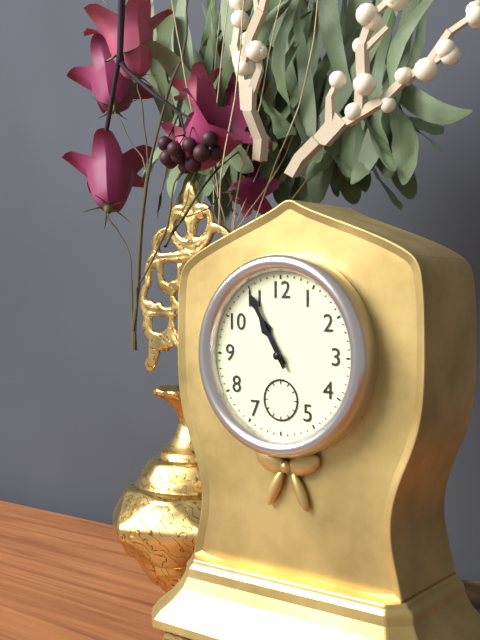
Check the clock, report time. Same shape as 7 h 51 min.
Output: 10 h 55 min
